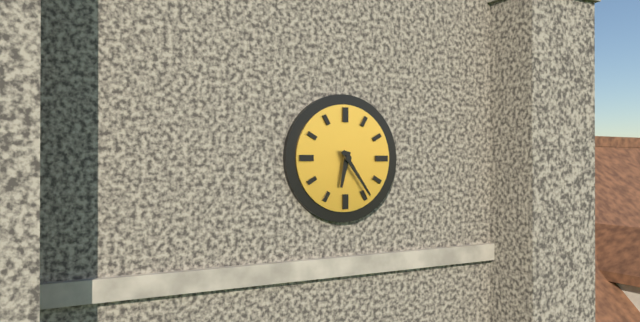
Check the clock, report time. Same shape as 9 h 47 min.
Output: 6 h 24 min
